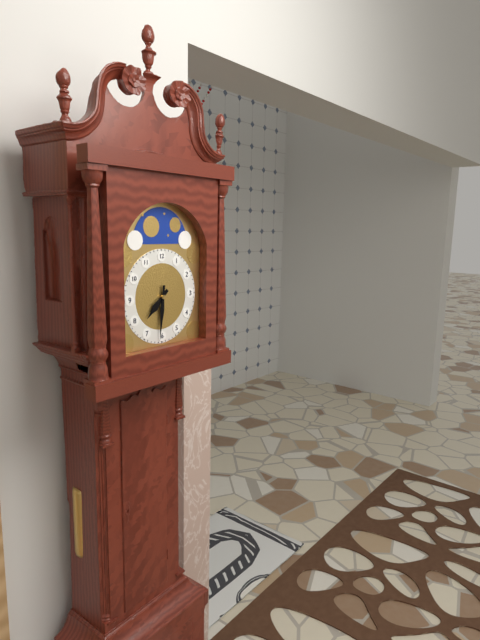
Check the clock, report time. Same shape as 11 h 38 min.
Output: 7 h 31 min
